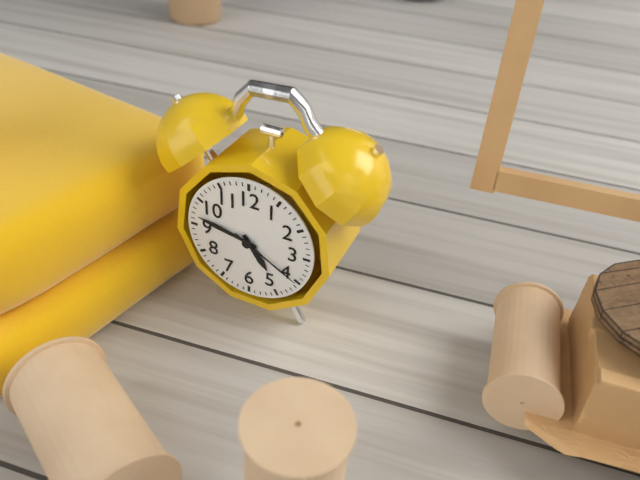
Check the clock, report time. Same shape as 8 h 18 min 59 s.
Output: 4 h 47 min 20 s
